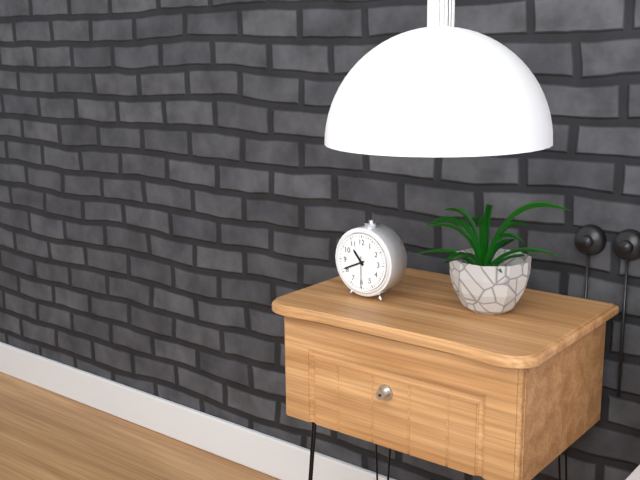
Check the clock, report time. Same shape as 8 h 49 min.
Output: 10 h 41 min
